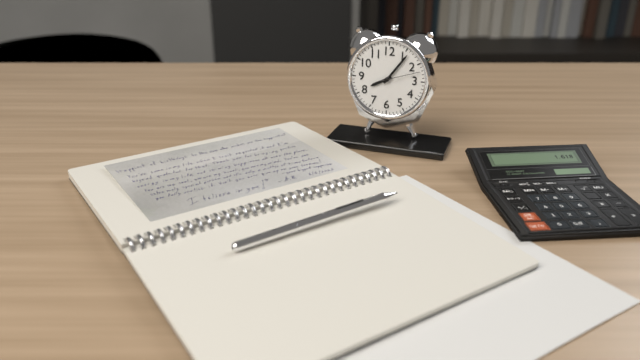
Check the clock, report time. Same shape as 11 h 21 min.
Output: 8 h 06 min
